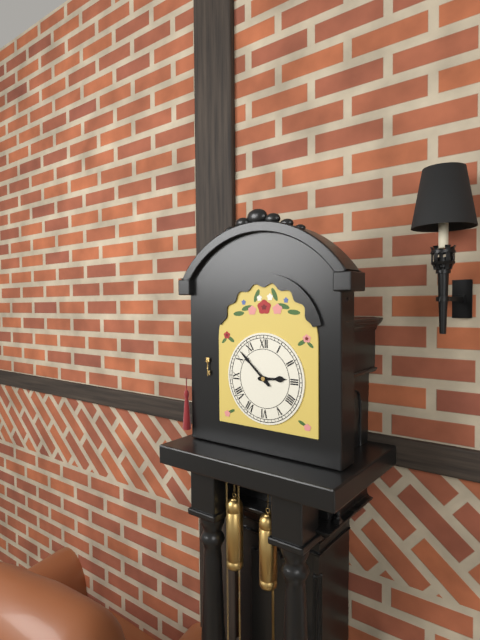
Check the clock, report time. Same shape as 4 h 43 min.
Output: 2 h 52 min
